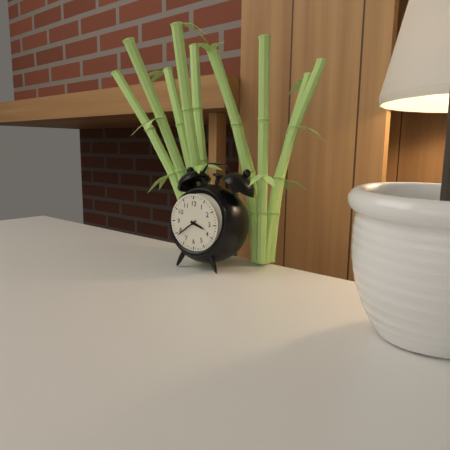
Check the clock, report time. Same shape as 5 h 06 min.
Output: 3 h 39 min
